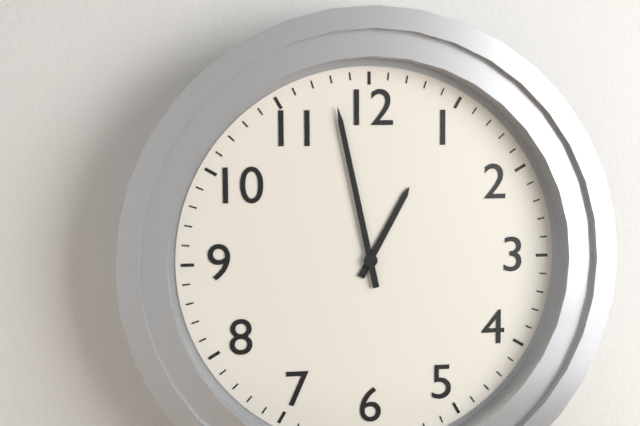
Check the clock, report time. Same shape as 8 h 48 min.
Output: 12 h 58 min
